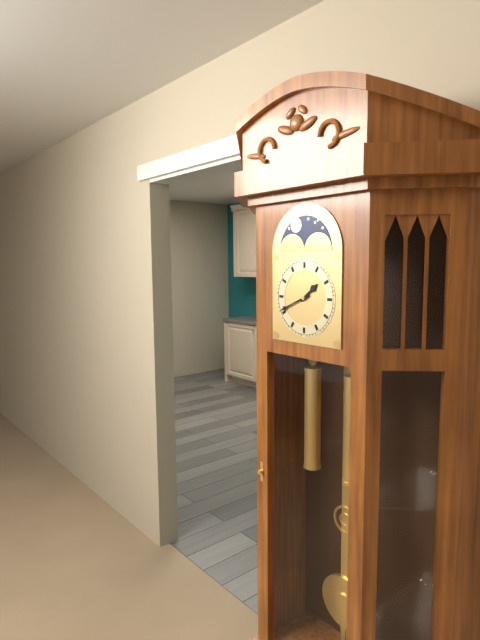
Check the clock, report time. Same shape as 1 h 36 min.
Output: 1 h 41 min
